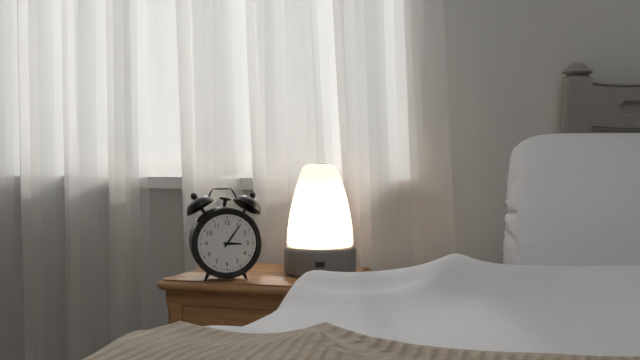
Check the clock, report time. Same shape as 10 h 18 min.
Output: 3 h 06 min
